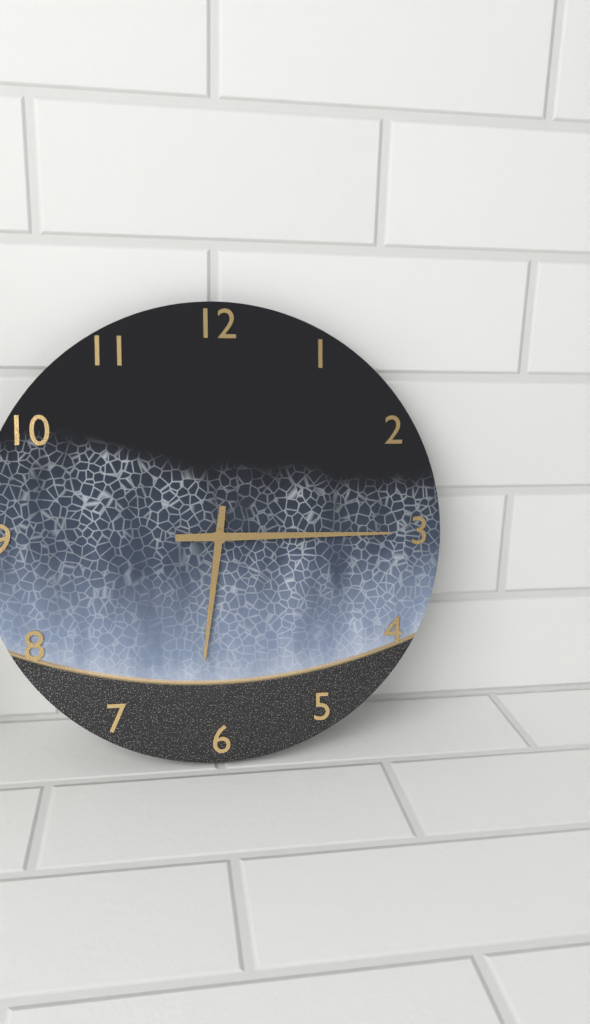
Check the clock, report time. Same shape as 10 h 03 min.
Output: 6 h 15 min
